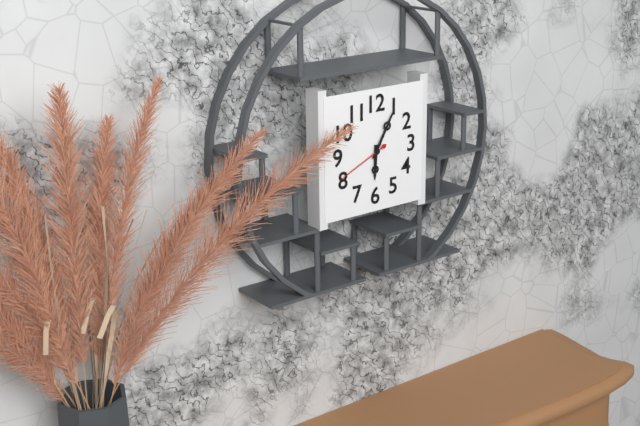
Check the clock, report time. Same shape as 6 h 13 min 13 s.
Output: 6 h 05 min 41 s
